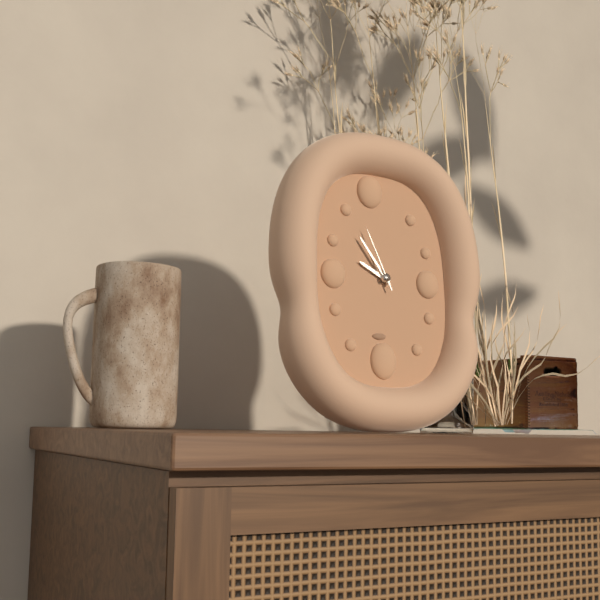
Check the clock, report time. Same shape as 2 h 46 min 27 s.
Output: 9 h 54 min 56 s
